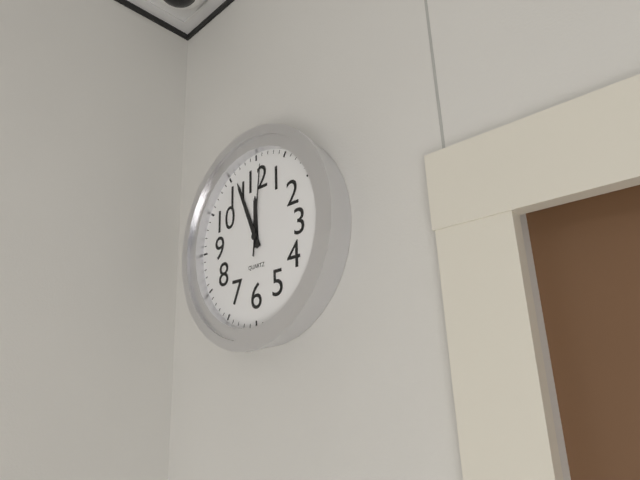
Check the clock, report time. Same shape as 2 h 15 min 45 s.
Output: 11 h 56 min 01 s
